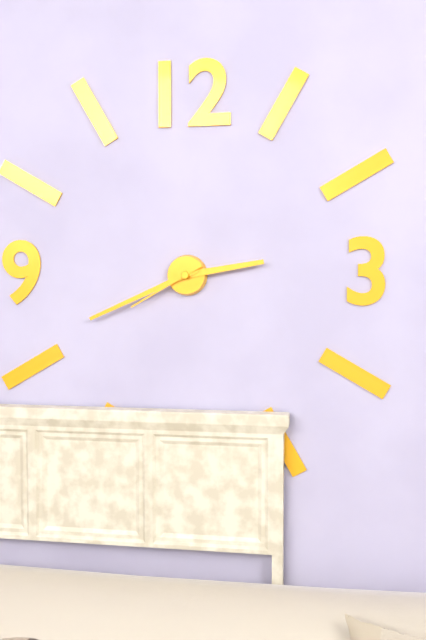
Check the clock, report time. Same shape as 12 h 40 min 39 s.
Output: 2 h 41 min 40 s
